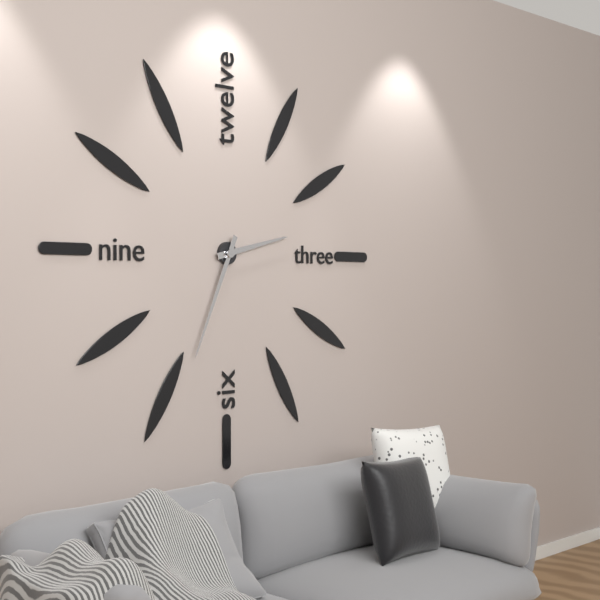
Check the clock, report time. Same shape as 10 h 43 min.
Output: 2 h 34 min
